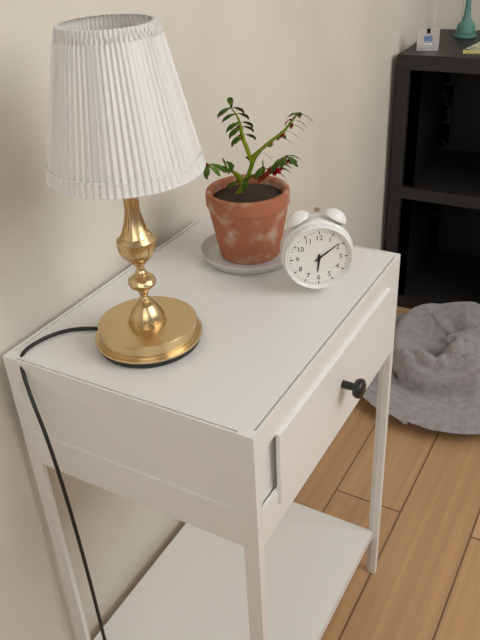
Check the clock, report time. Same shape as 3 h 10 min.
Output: 6 h 09 min
